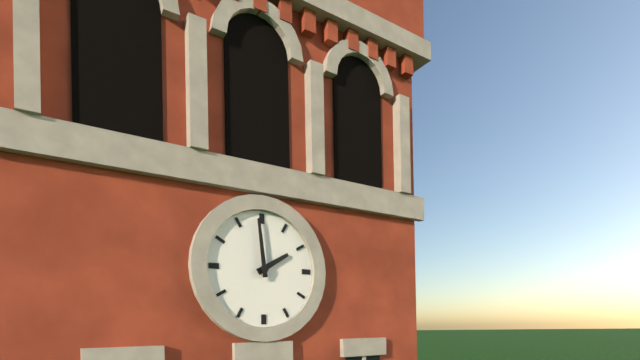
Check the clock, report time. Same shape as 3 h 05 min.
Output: 1 h 59 min
